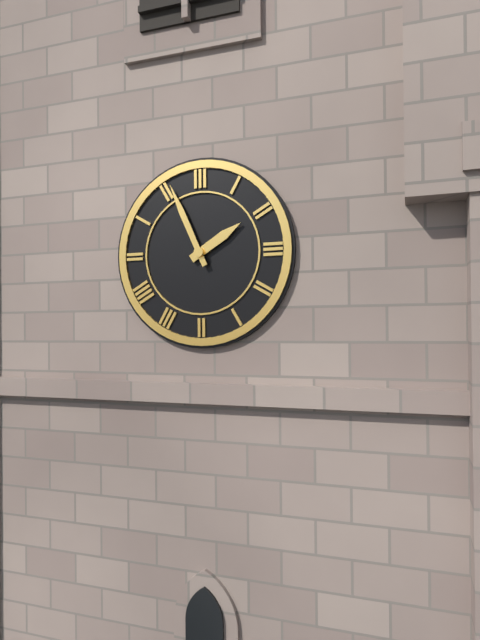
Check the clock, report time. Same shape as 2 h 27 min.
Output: 1 h 56 min
